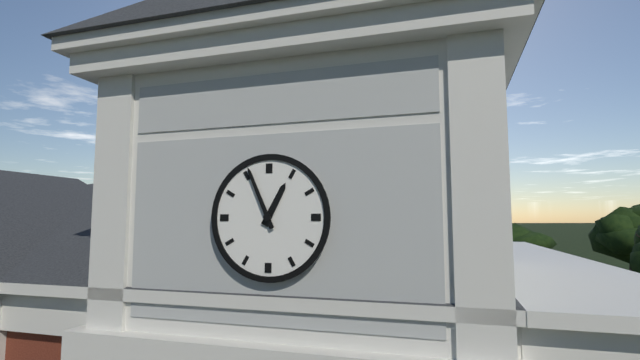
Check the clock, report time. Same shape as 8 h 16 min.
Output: 12 h 56 min
